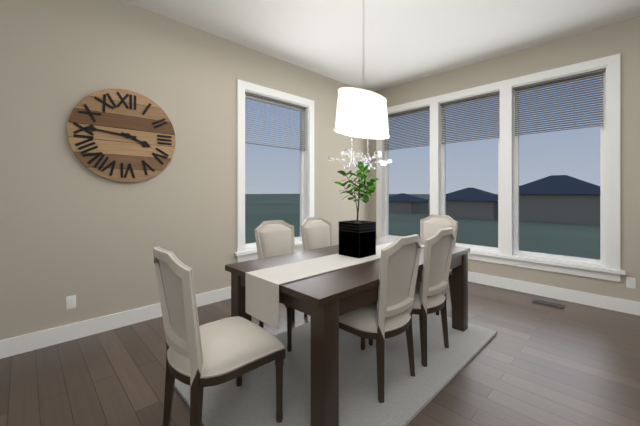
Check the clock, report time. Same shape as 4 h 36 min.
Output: 3 h 46 min
